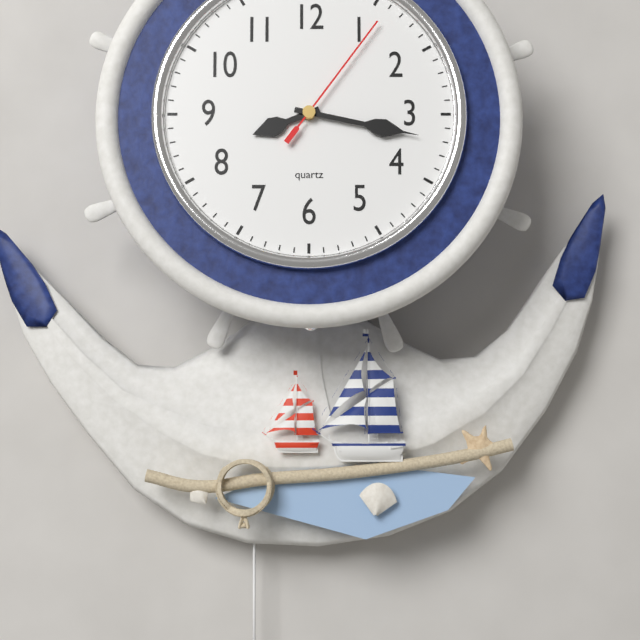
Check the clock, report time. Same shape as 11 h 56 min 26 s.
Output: 8 h 17 min 06 s
